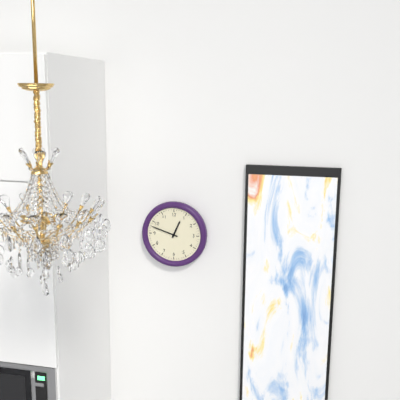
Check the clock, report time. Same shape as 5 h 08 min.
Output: 12 h 48 min
